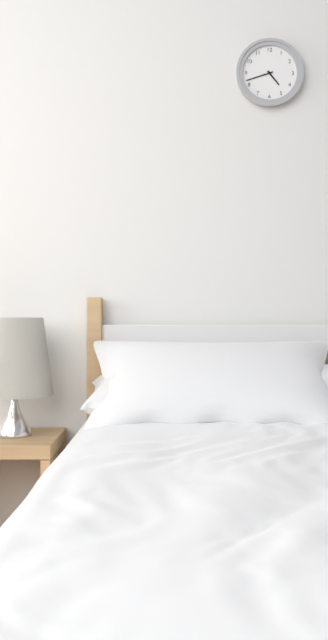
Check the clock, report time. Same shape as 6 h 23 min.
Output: 4 h 42 min
